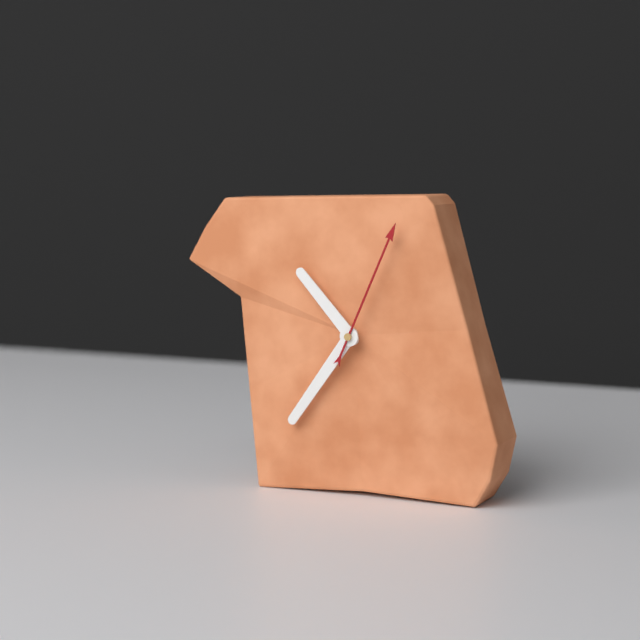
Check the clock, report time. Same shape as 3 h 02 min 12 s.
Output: 10 h 36 min 04 s
